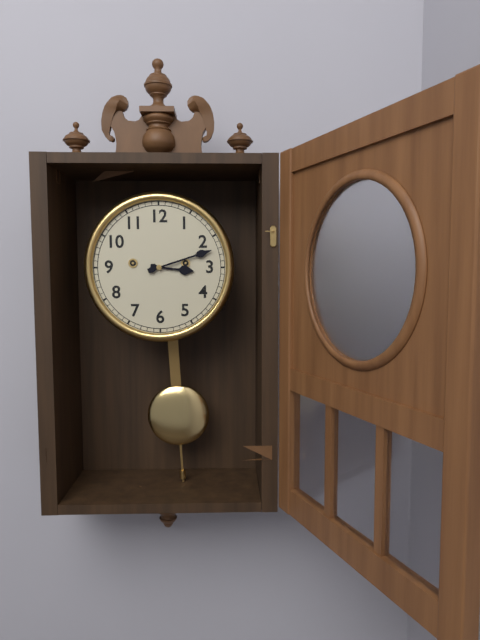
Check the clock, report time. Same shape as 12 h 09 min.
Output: 3 h 12 min
